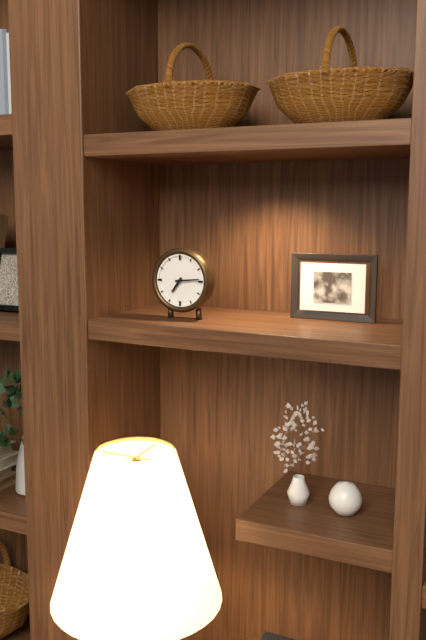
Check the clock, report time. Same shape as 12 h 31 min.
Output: 7 h 14 min
